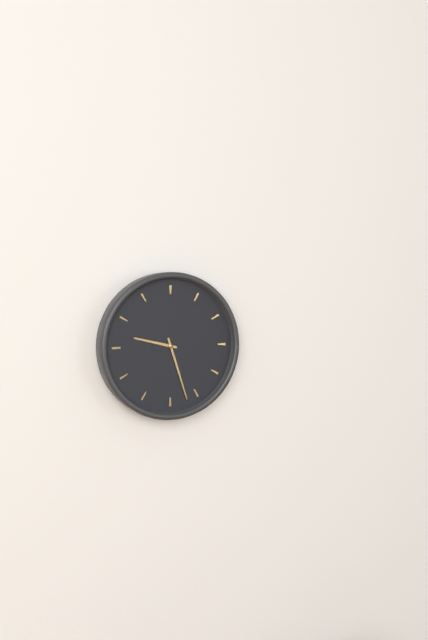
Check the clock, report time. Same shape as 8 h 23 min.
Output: 9 h 27 min
